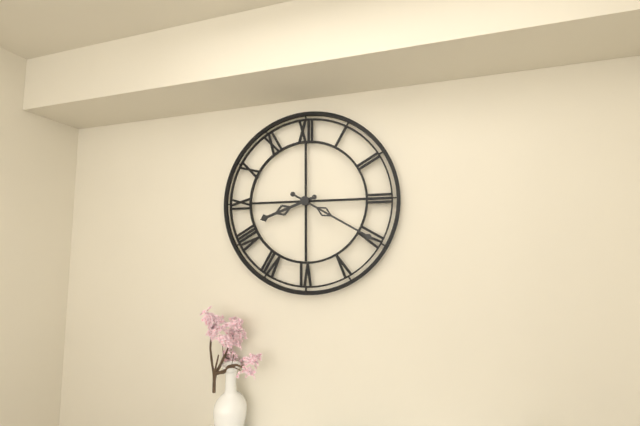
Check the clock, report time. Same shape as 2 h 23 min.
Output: 8 h 20 min
